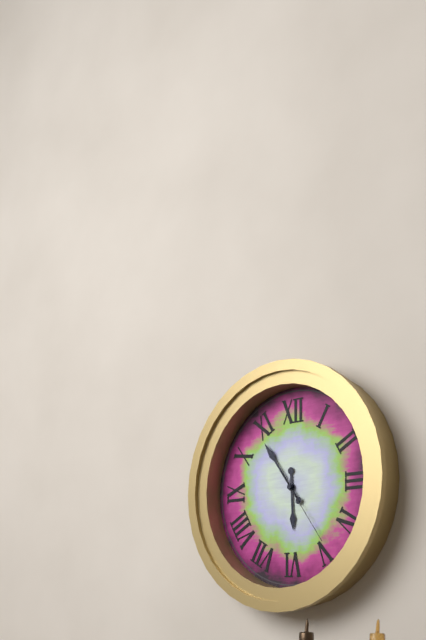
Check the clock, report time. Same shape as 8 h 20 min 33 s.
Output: 5 h 54 min 24 s
